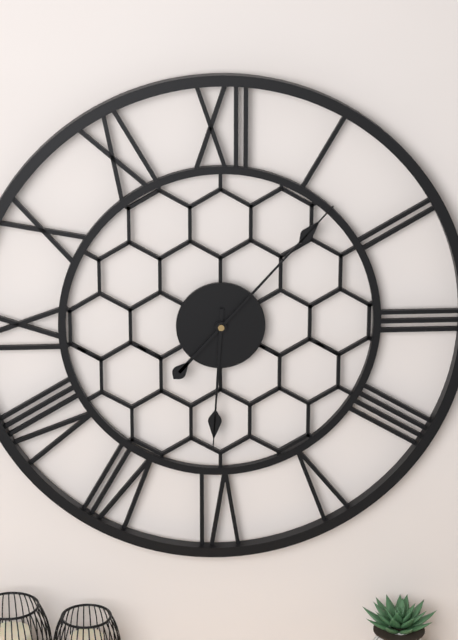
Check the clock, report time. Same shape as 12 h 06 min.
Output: 6 h 07 min
